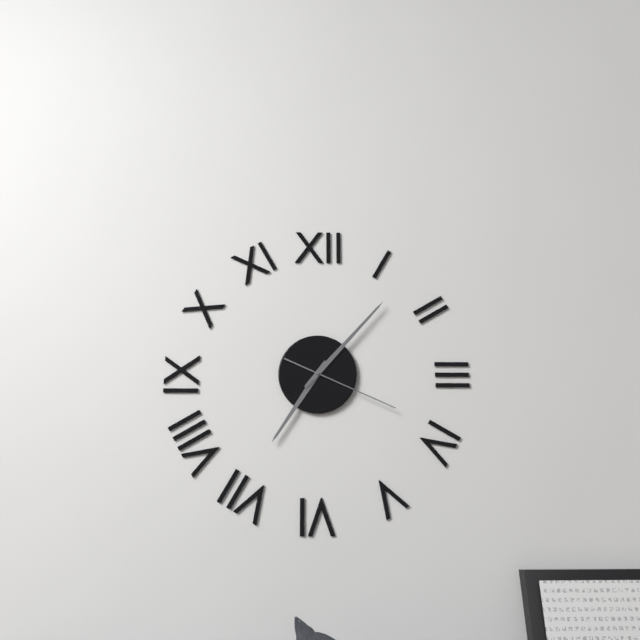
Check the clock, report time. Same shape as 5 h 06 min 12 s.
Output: 7 h 07 min 19 s
